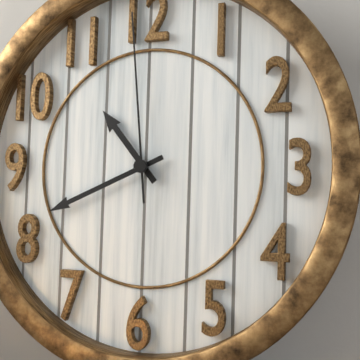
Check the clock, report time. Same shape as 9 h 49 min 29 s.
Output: 10 h 41 min 59 s
